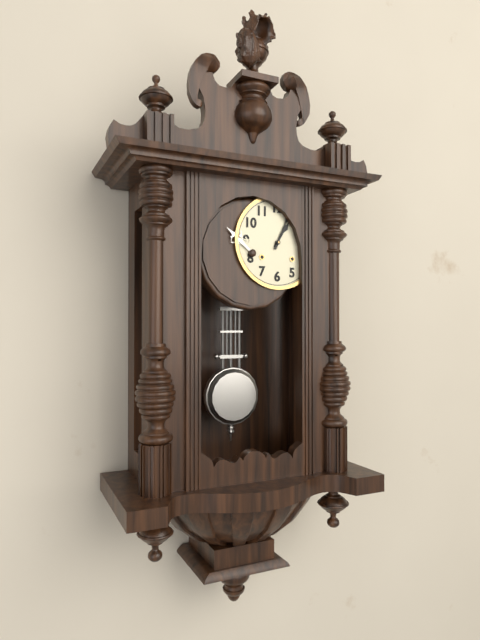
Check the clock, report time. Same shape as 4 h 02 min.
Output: 1 h 04 min
